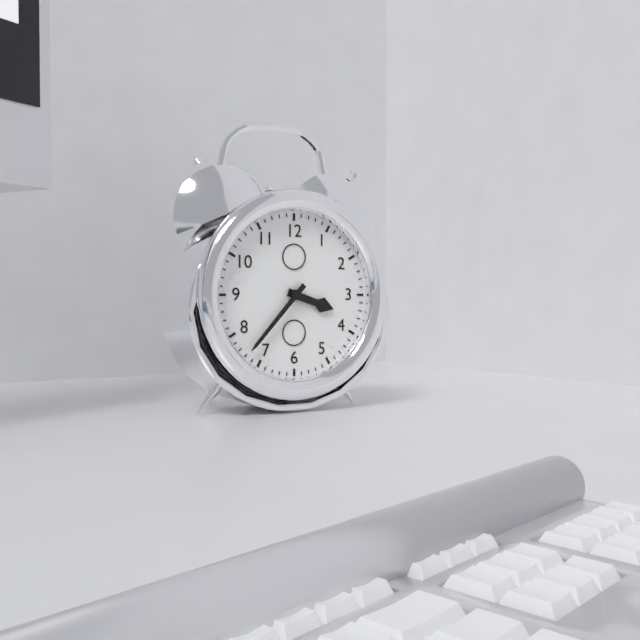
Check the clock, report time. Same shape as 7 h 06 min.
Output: 3 h 37 min
